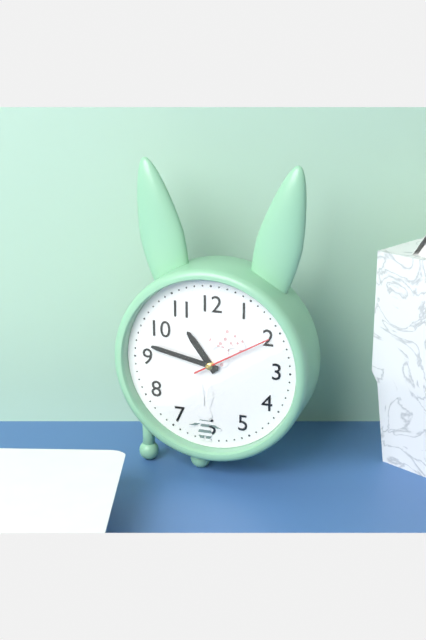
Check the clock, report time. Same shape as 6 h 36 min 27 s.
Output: 10 h 47 min 10 s
